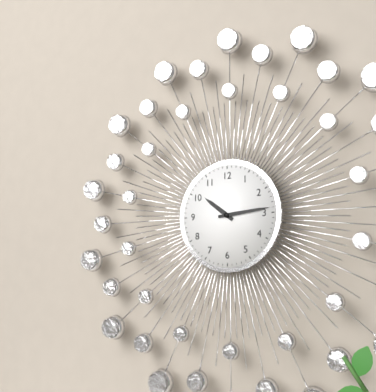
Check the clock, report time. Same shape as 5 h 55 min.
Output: 10 h 14 min
